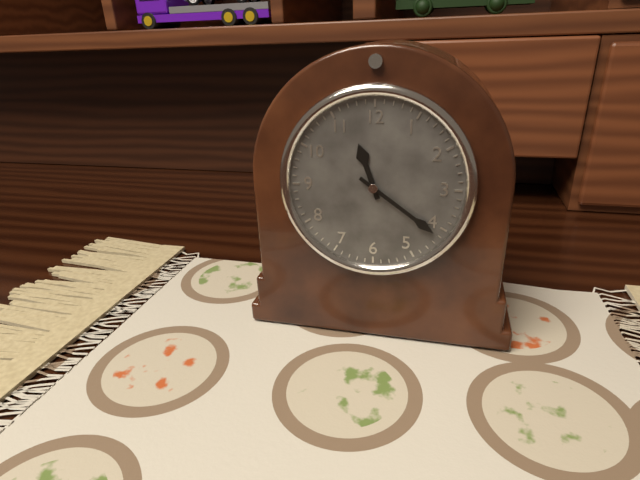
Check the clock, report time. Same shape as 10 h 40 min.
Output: 11 h 21 min
